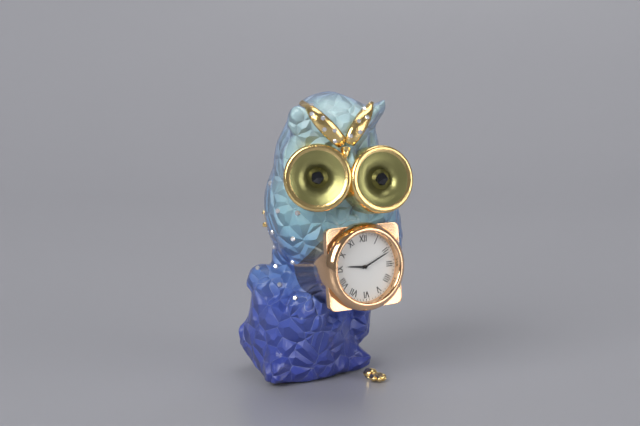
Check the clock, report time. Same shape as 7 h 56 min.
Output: 9 h 11 min
